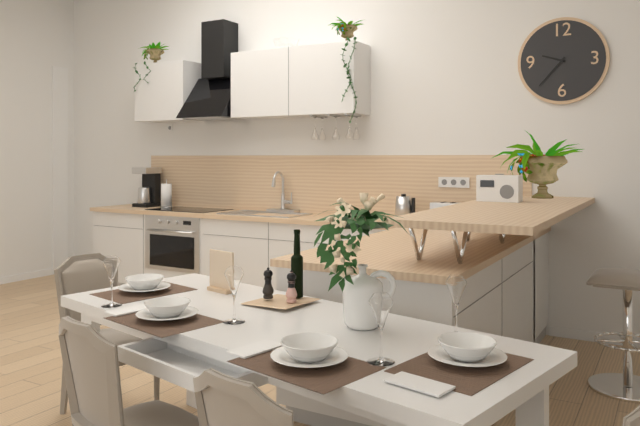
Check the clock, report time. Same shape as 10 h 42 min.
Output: 9 h 37 min
